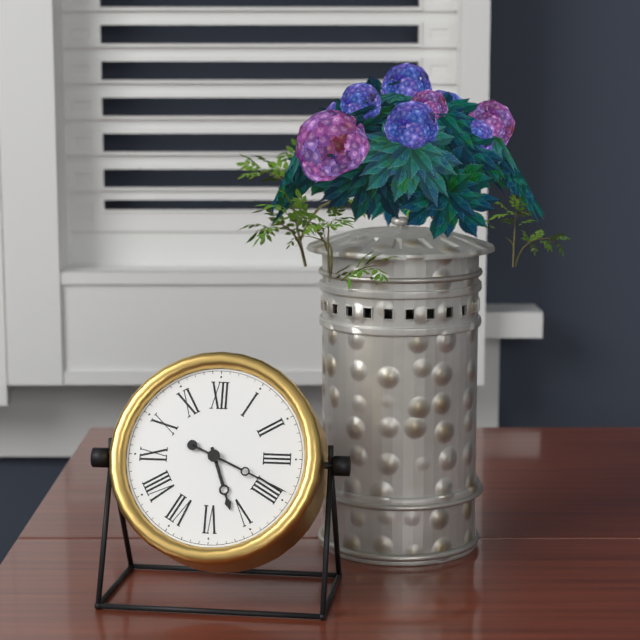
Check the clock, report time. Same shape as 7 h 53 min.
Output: 5 h 19 min
